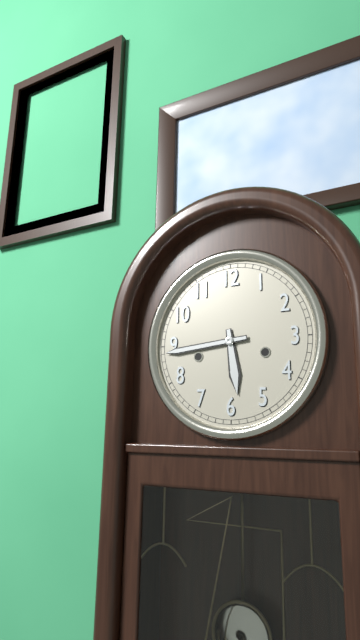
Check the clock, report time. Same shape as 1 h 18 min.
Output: 5 h 44 min
